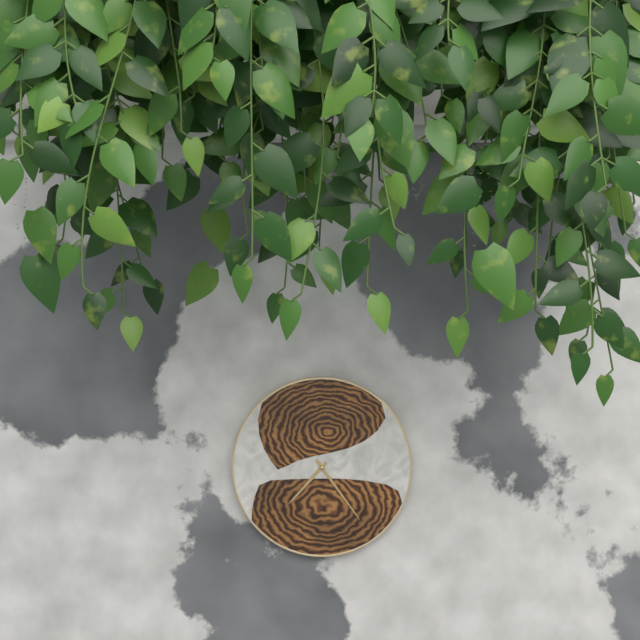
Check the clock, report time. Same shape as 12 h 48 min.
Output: 7 h 24 min
